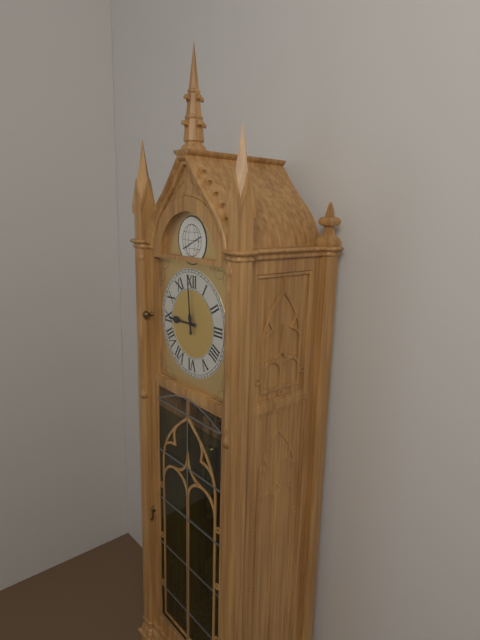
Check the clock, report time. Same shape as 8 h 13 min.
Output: 8 h 59 min
